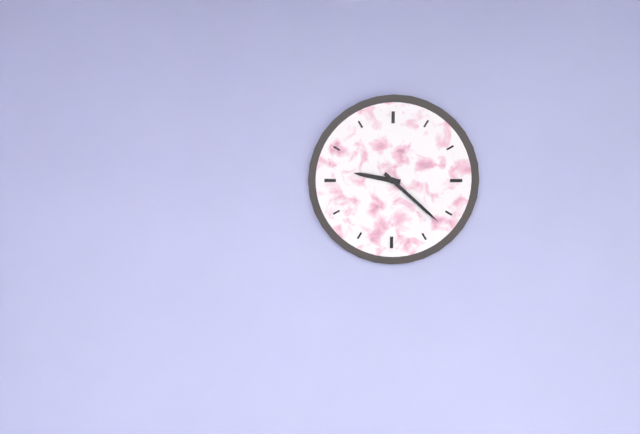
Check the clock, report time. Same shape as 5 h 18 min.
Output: 9 h 22 min
